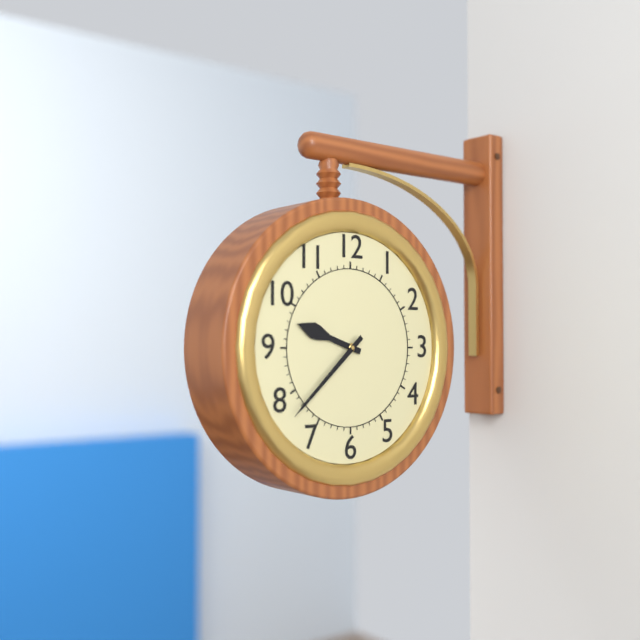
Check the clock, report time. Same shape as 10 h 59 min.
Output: 9 h 38 min
